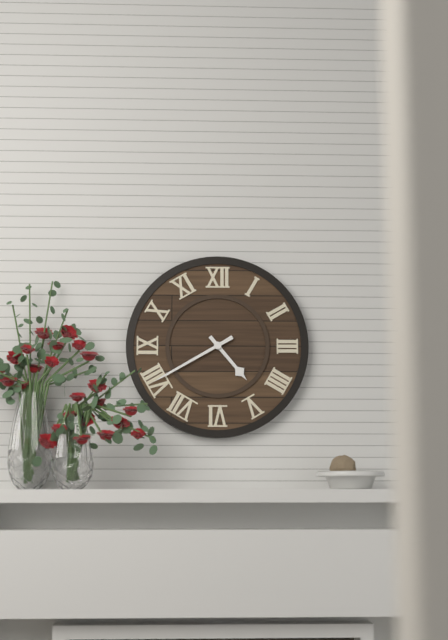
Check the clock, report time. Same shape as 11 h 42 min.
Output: 4 h 40 min
